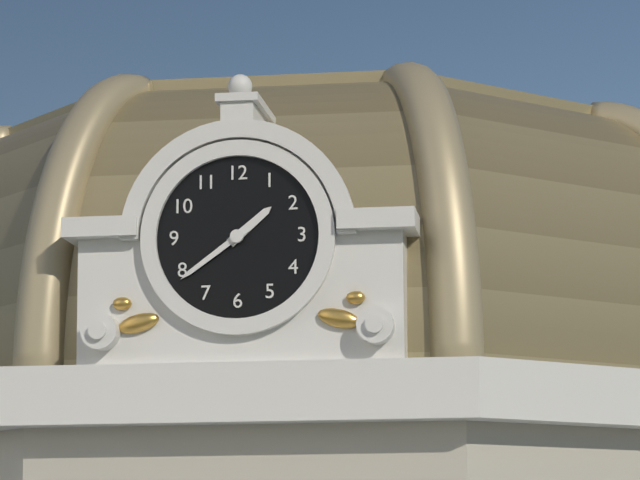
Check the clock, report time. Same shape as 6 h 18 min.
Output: 1 h 39 min
